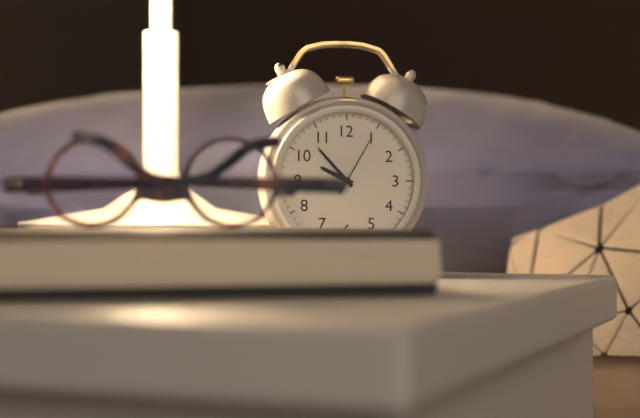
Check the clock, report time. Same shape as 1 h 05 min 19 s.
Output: 9 h 53 min 05 s
